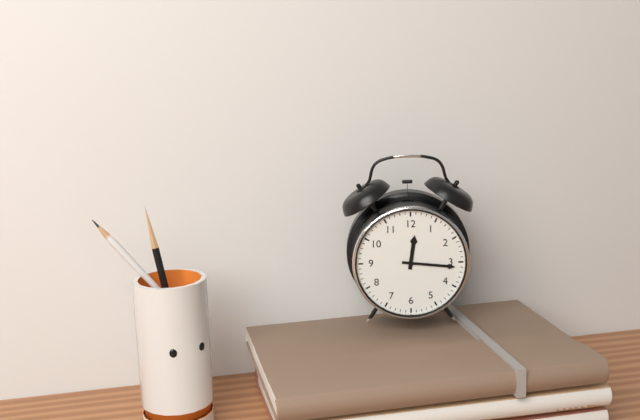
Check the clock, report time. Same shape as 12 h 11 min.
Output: 12 h 16 min
